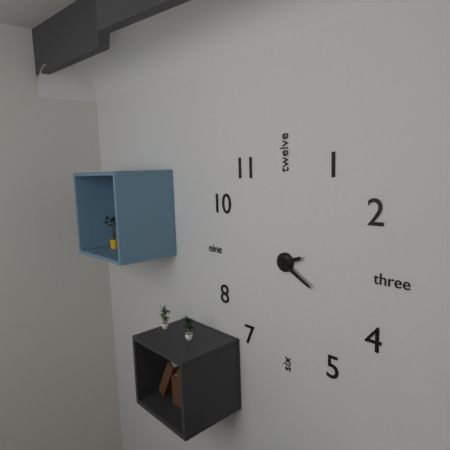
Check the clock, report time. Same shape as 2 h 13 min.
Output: 2 h 20 min
